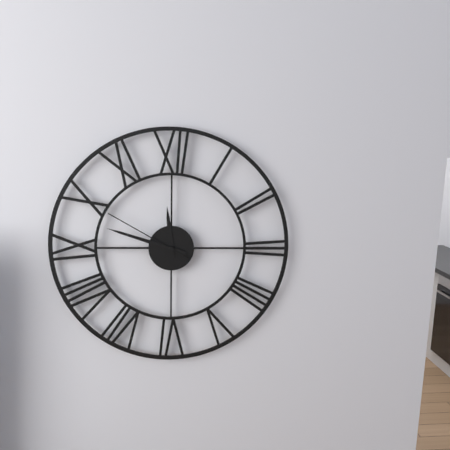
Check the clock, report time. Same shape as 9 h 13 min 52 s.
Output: 11 h 48 min 50 s
